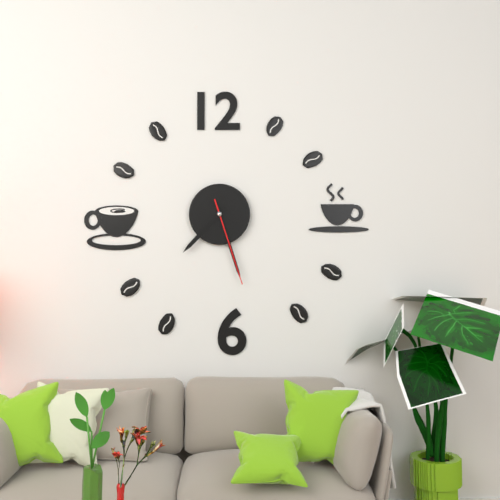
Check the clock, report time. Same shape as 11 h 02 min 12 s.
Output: 7 h 27 min 27 s
